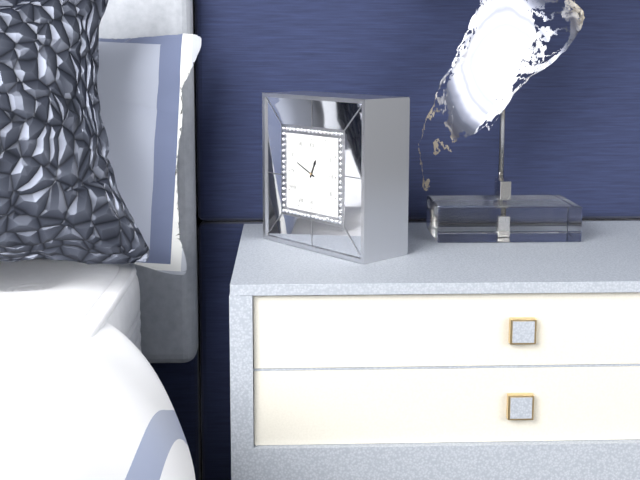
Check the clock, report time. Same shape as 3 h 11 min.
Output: 12 h 49 min
